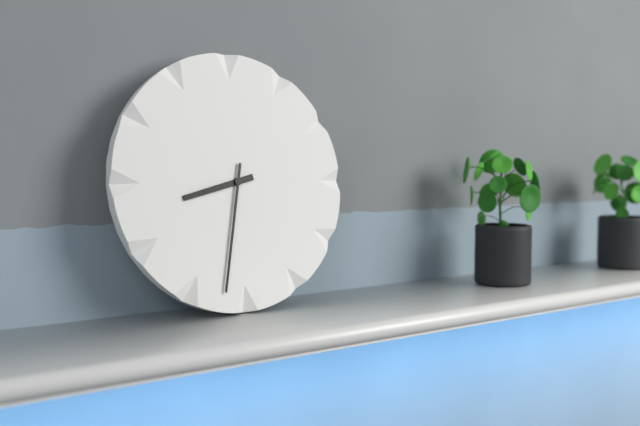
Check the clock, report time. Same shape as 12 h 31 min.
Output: 8 h 32 min
